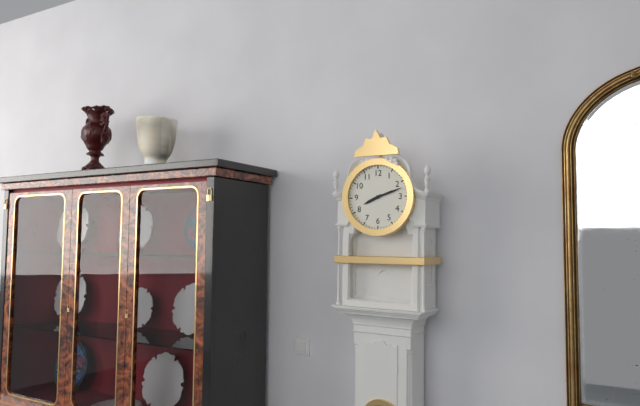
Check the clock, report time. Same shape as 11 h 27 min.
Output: 8 h 12 min
